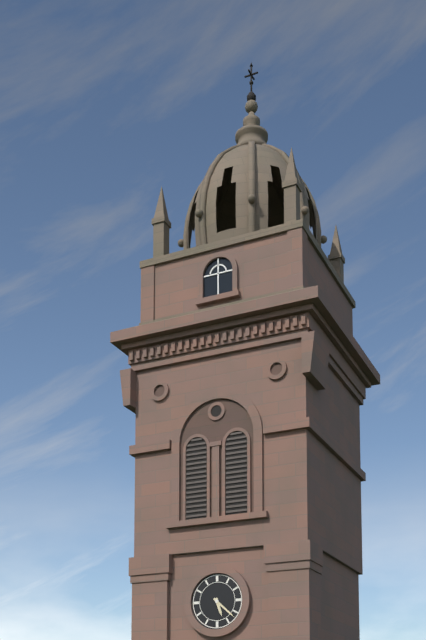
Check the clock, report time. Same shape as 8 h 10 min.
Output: 5 h 22 min
